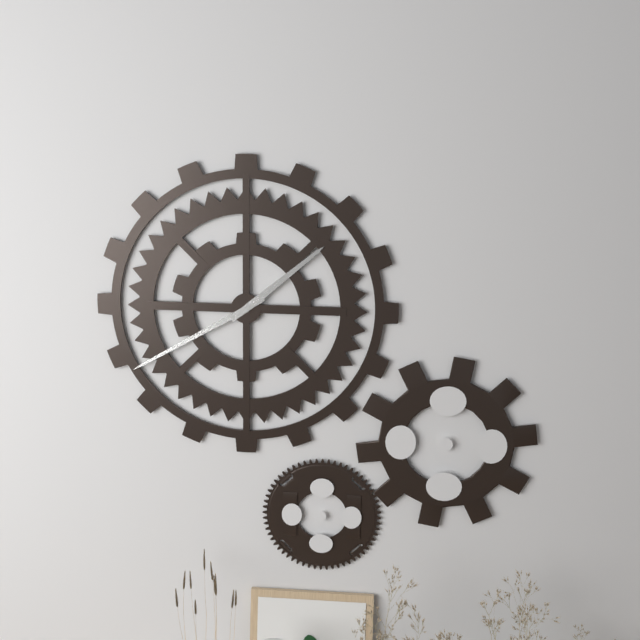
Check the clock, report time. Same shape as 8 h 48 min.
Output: 1 h 40 min
